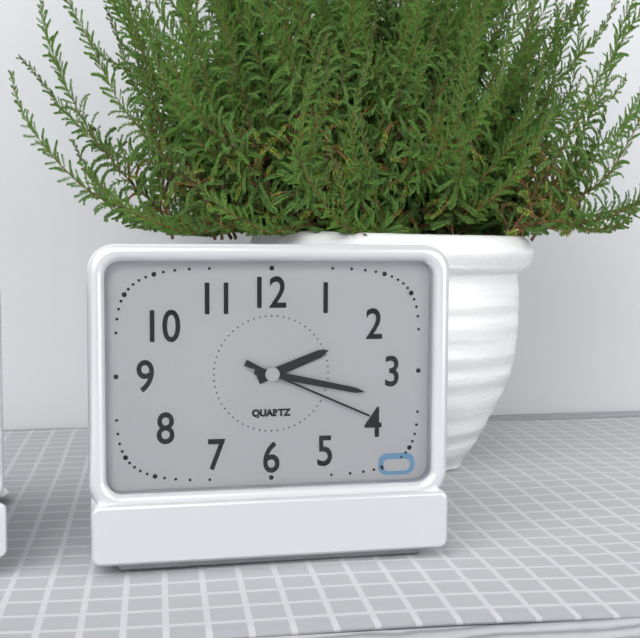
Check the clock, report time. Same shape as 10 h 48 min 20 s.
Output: 2 h 17 min 19 s
